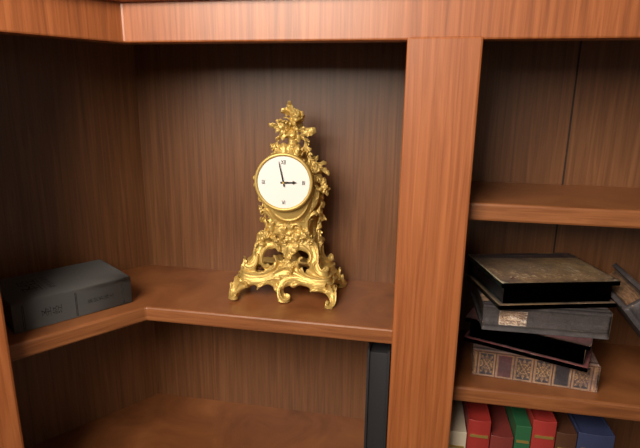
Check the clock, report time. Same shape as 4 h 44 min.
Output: 2 h 58 min
